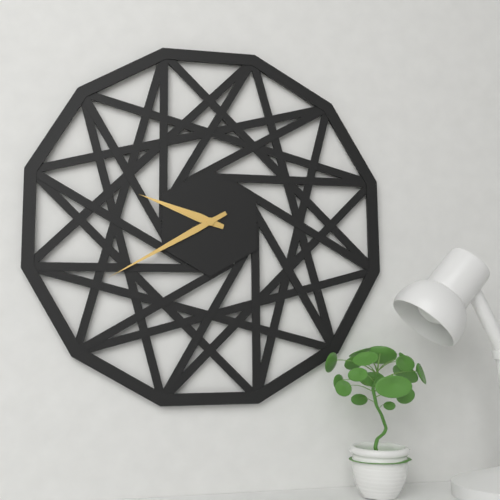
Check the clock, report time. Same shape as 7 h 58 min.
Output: 9 h 40 min
